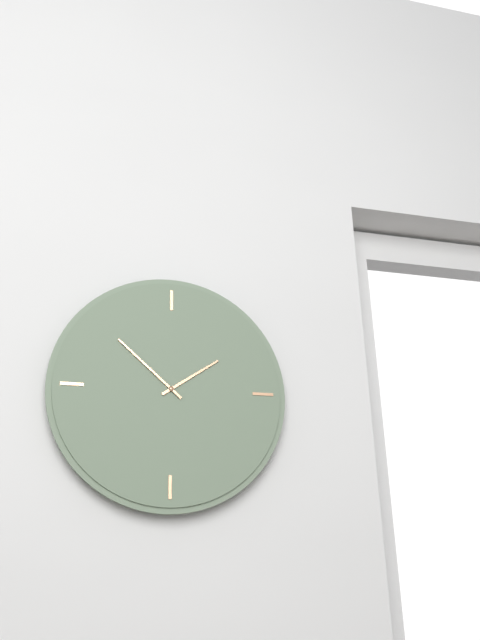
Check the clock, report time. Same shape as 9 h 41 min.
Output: 1 h 52 min
